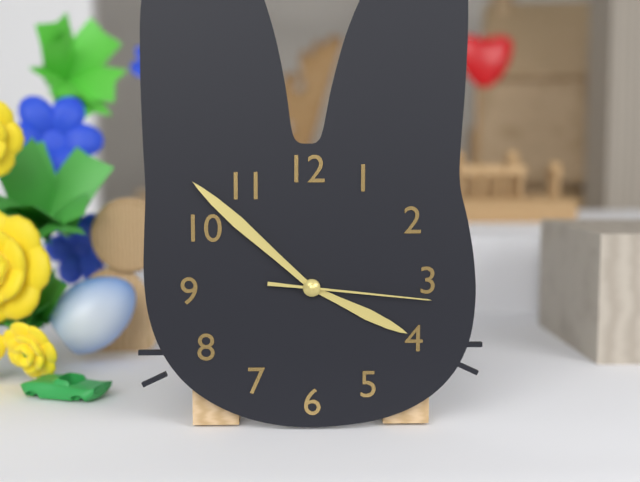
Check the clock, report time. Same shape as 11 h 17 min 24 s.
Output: 3 h 52 min 16 s
